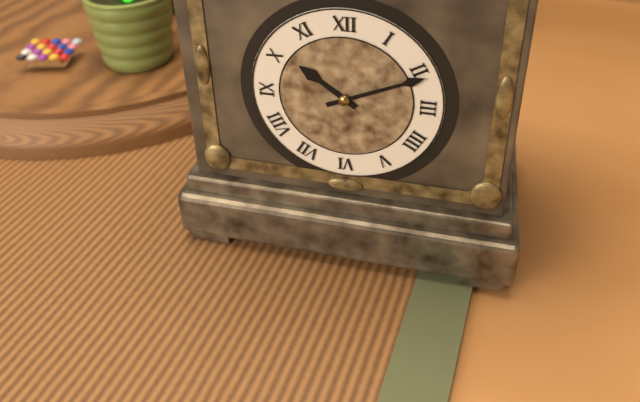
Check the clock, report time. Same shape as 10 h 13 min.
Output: 10 h 11 min
